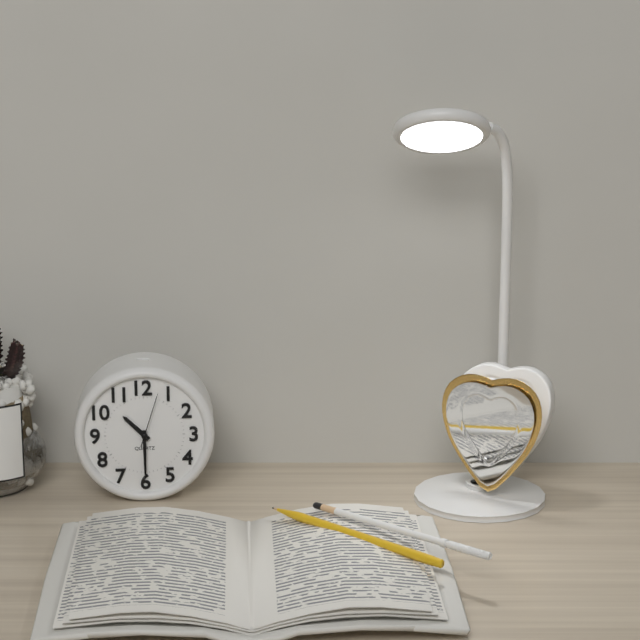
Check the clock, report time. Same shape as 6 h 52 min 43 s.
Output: 10 h 30 min 03 s
